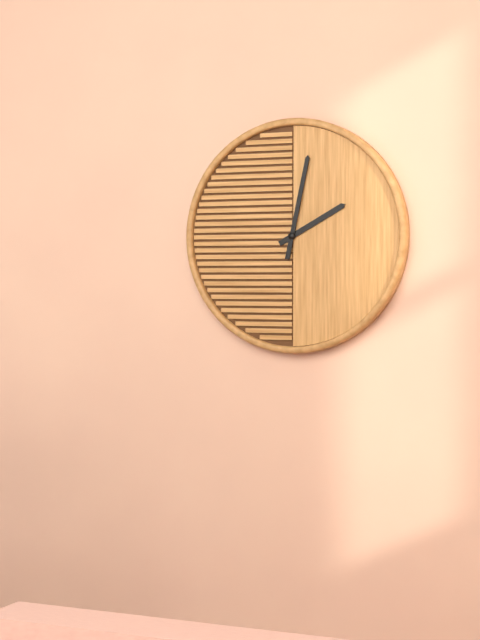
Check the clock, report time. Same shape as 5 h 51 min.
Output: 2 h 02 min
